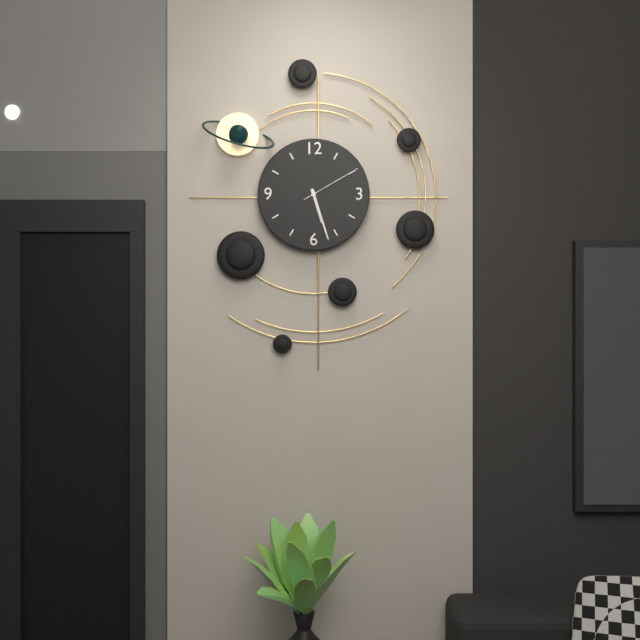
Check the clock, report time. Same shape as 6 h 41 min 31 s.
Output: 5 h 27 min 10 s
